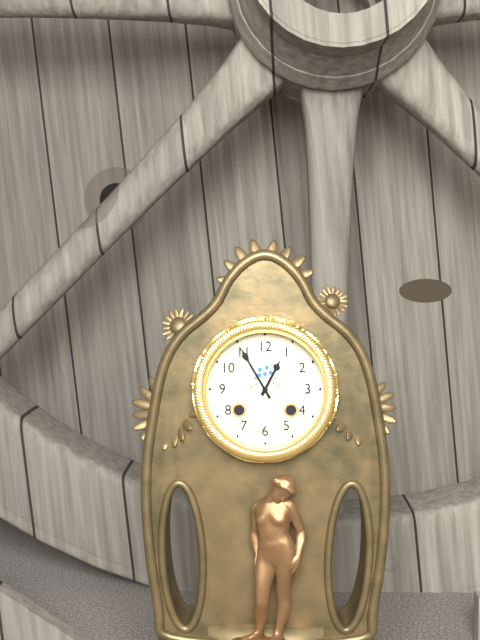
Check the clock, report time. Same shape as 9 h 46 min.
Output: 12 h 55 min
